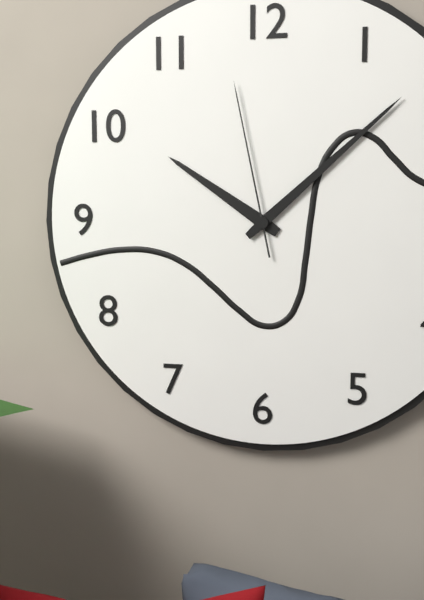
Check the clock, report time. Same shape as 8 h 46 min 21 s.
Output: 10 h 08 min 58 s
